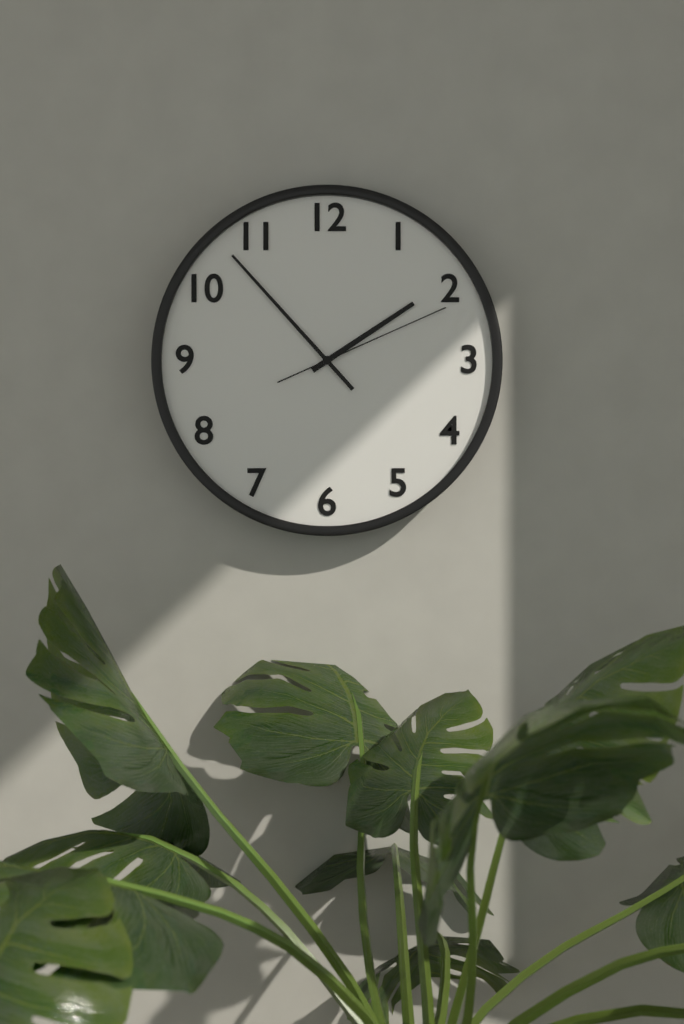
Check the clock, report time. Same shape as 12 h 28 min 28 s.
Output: 1 h 53 min 11 s
